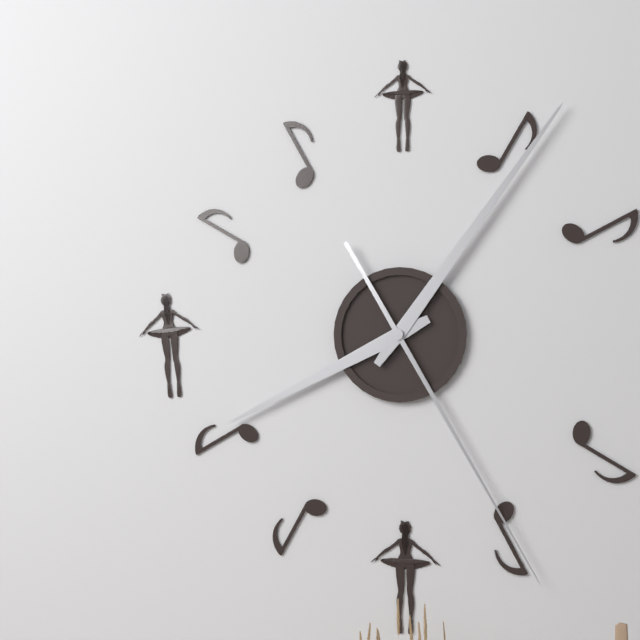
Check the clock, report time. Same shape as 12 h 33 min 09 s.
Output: 8 h 06 min 25 s
